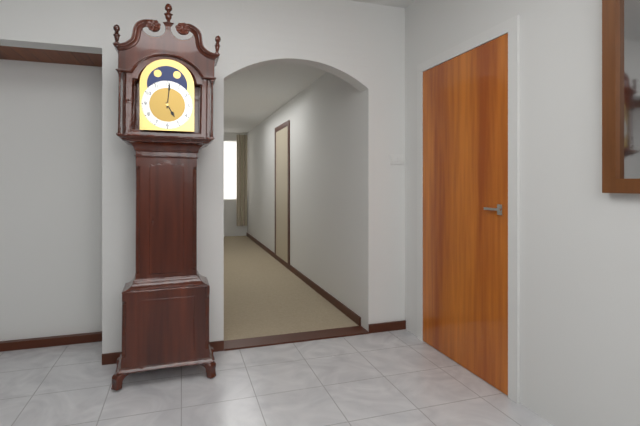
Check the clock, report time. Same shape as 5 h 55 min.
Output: 5 h 01 min
